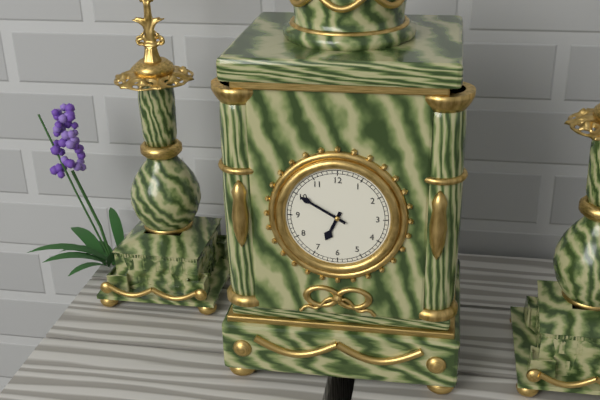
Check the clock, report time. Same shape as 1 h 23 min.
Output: 6 h 50 min
